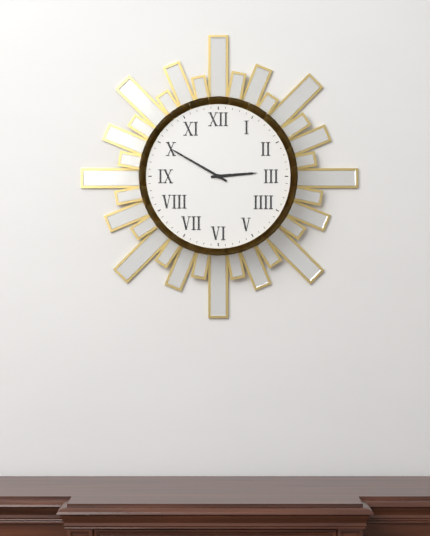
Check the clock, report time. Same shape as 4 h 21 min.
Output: 2 h 50 min
